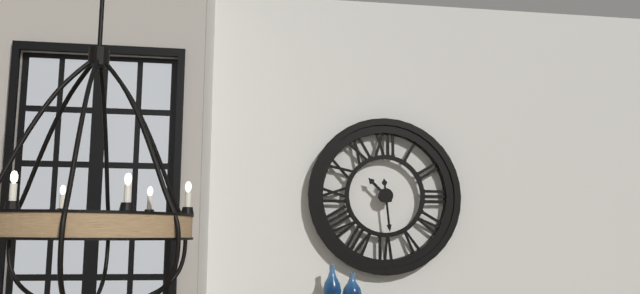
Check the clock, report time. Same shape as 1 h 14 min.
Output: 10 h 29 min
